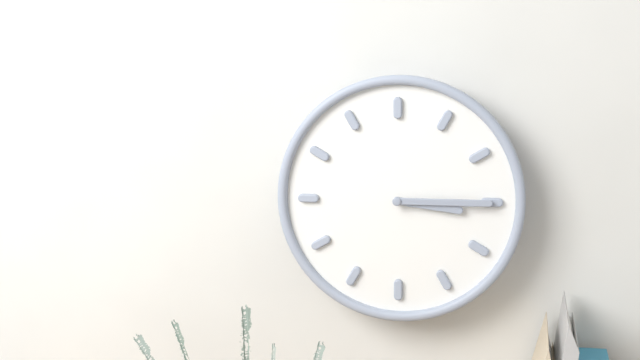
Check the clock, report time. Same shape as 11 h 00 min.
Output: 3 h 15 min
